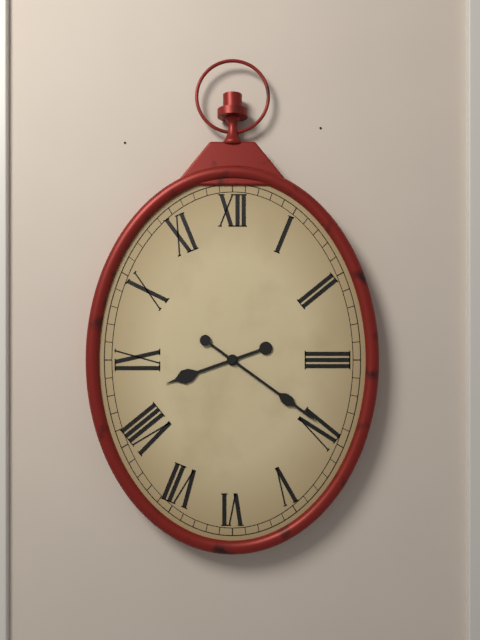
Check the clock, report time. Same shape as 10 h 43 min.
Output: 8 h 21 min
